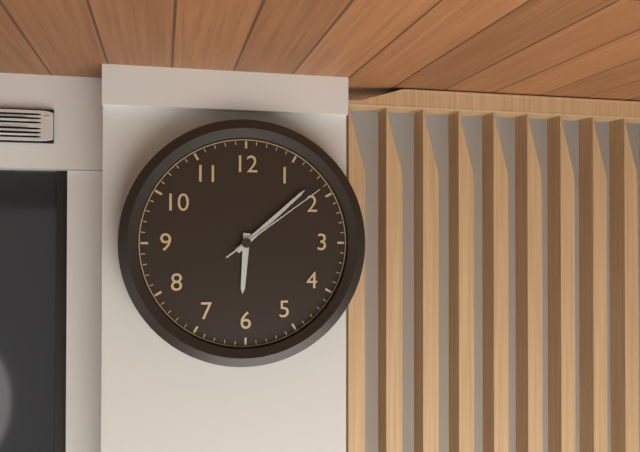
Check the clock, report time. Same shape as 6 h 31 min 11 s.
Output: 6 h 08 min 09 s
